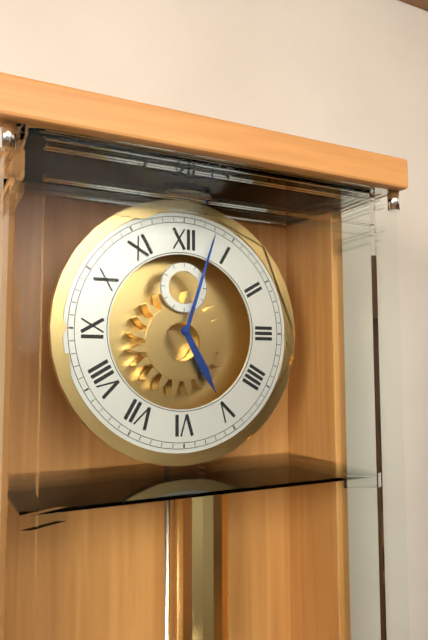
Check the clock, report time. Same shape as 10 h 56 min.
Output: 5 h 03 min
